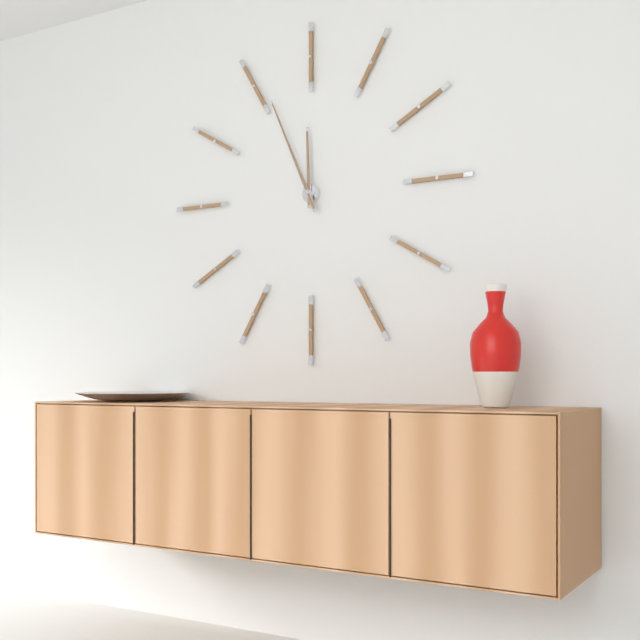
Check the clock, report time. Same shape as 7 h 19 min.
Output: 11 h 56 min
